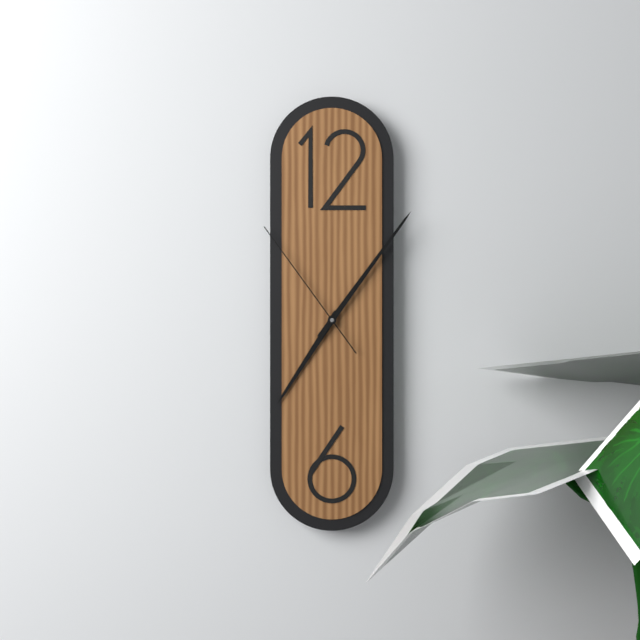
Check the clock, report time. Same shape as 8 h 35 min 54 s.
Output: 7 h 06 min 54 s
